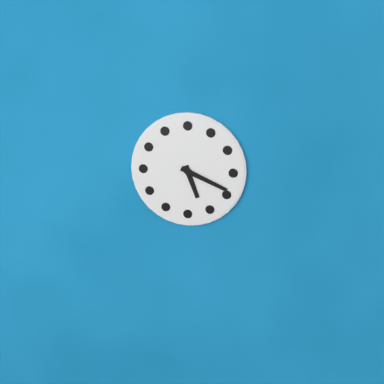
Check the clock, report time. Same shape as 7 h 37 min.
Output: 5 h 19 min
